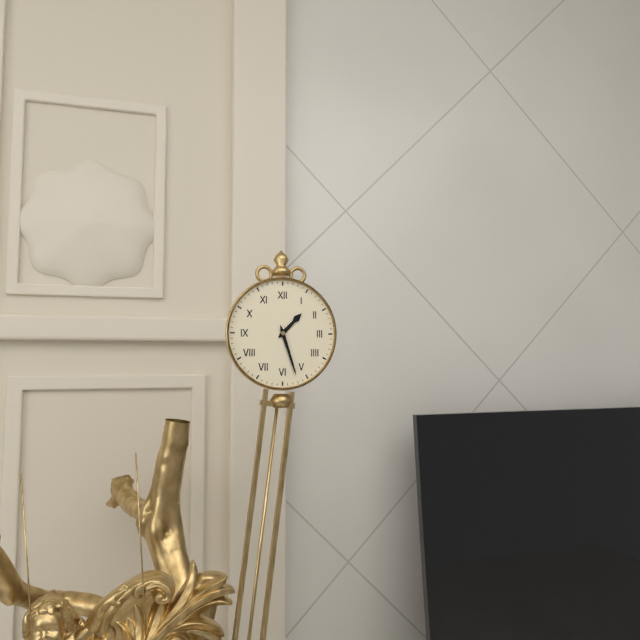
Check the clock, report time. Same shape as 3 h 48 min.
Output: 1 h 27 min
